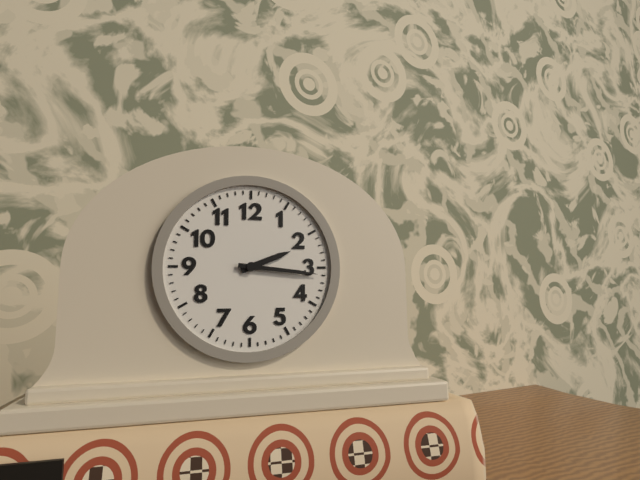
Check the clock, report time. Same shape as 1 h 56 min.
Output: 2 h 16 min
